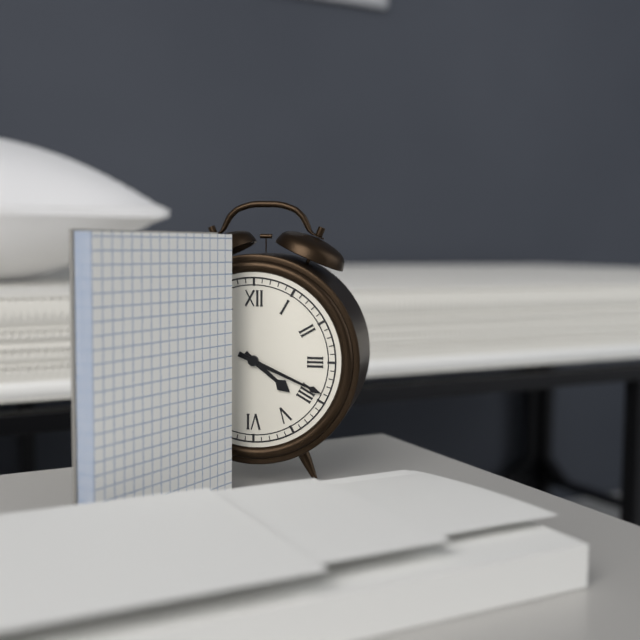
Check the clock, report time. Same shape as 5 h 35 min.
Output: 4 h 19 min
